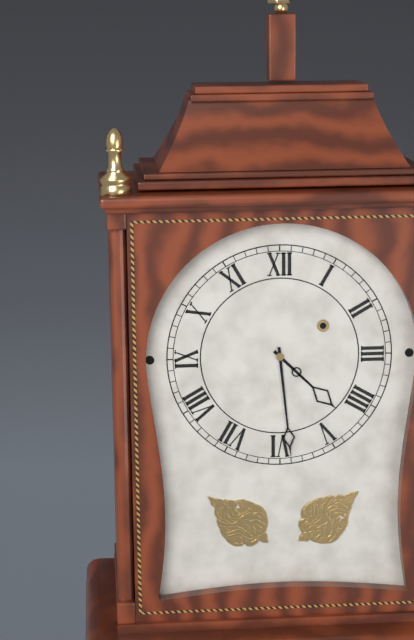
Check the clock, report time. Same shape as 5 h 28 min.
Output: 4 h 29 min
